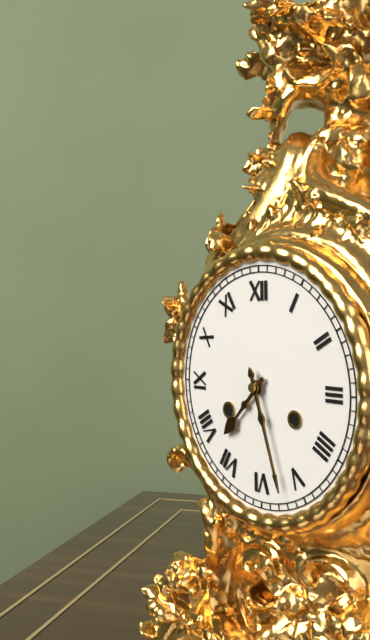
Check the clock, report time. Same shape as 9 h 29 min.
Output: 7 h 27 min
